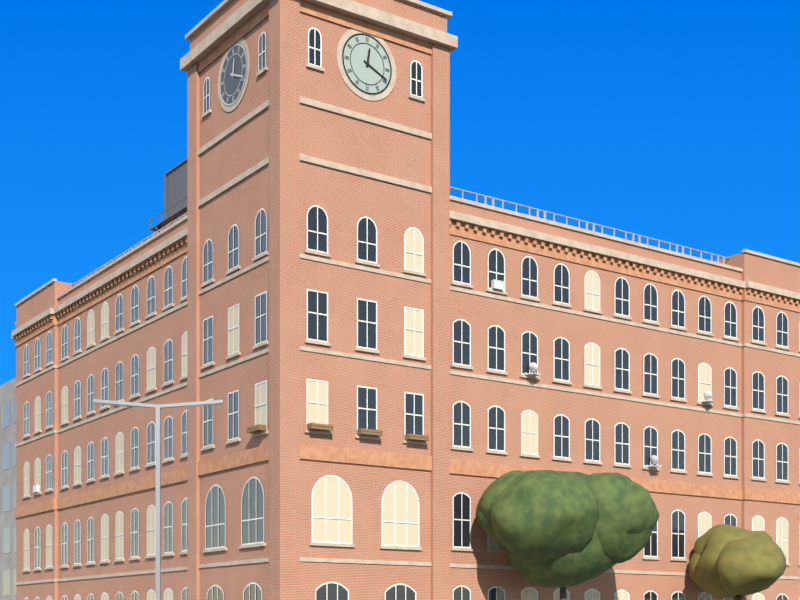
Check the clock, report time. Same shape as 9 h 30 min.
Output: 12 h 19 min
